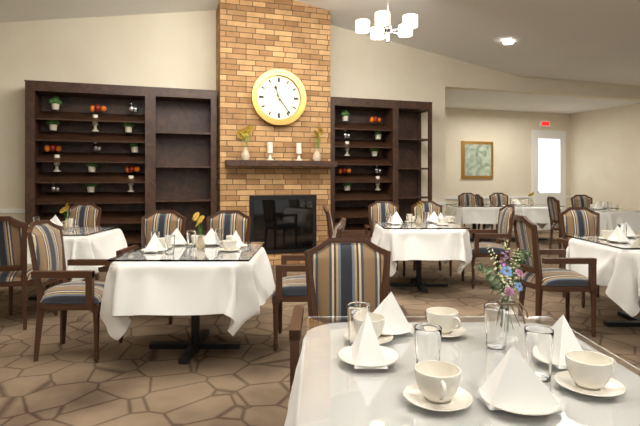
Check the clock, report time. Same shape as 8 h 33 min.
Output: 11 h 24 min
